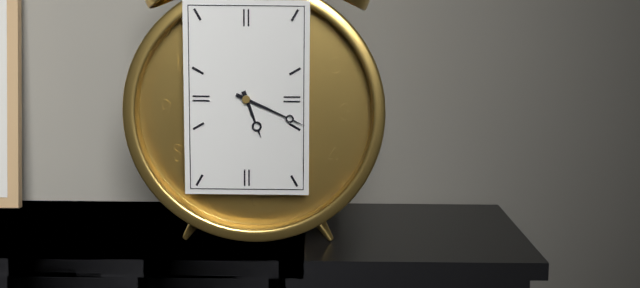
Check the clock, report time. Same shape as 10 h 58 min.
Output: 5 h 19 min
